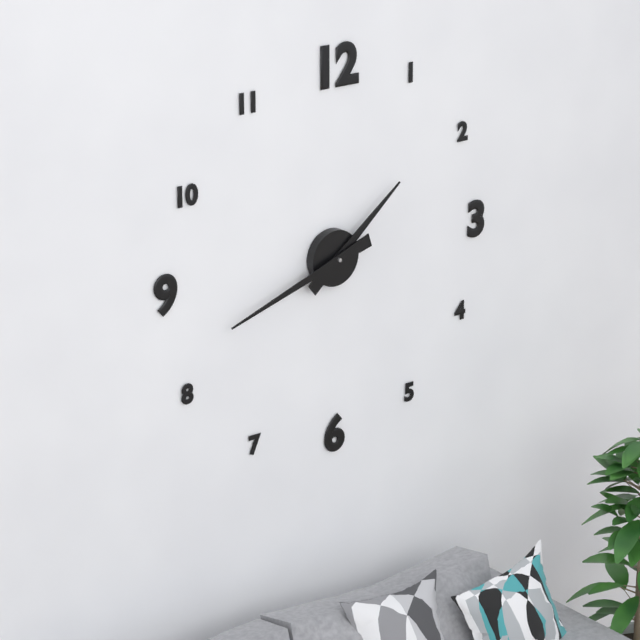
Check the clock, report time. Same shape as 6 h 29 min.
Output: 1 h 42 min
